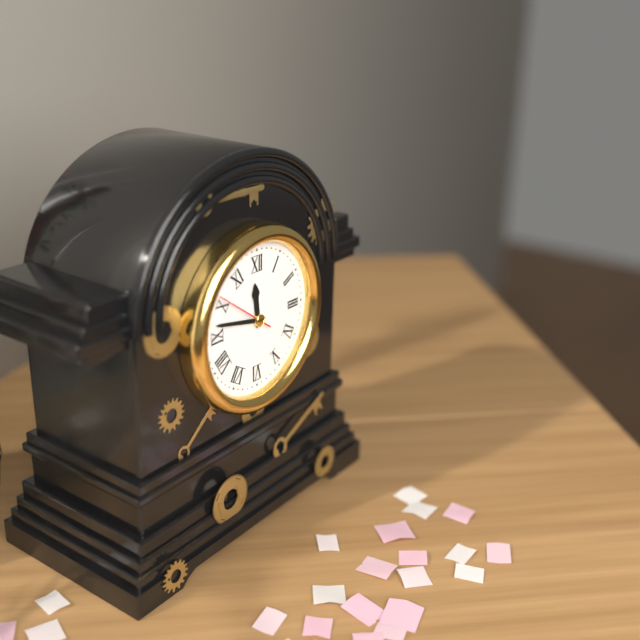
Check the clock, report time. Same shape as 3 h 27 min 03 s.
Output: 11 h 47 min 51 s
